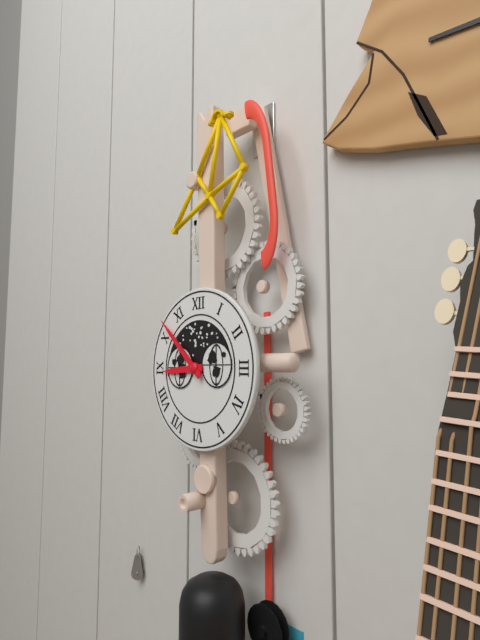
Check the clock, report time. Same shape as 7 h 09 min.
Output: 8 h 52 min
